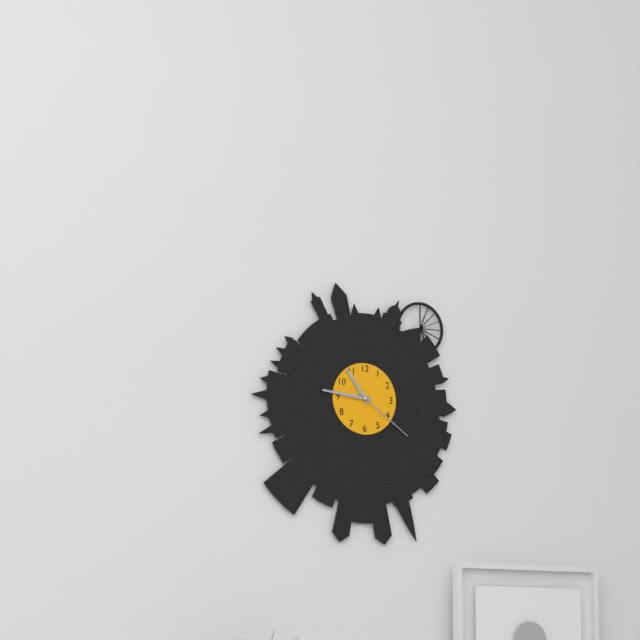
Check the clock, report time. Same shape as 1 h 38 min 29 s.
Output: 10 h 46 min 21 s
